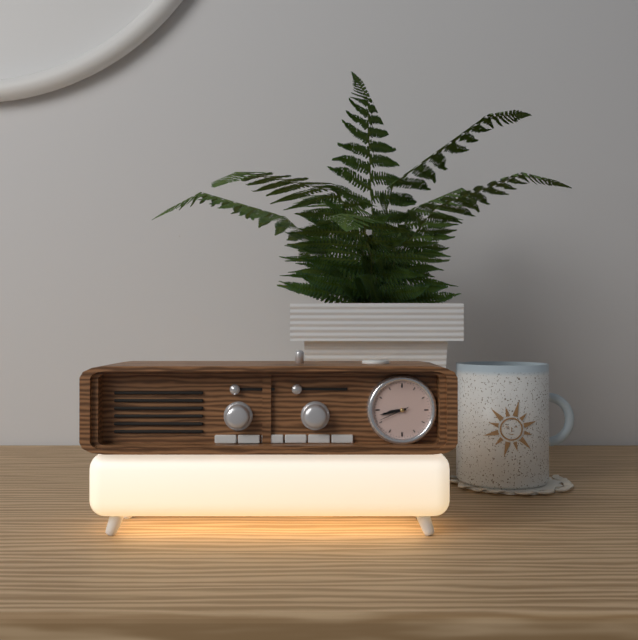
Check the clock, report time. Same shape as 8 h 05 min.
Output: 8 h 43 min
